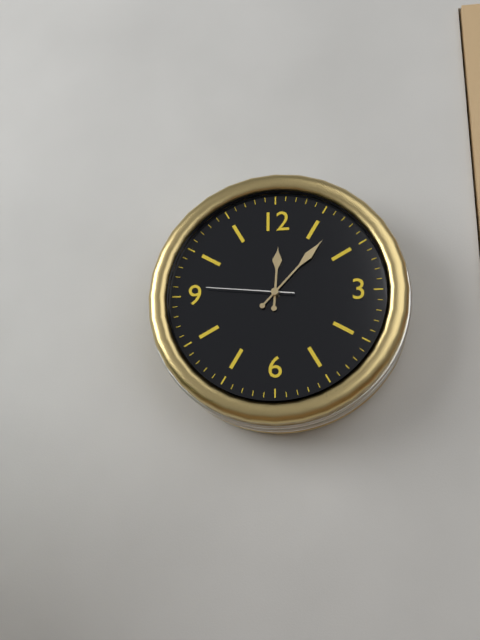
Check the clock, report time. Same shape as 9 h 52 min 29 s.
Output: 12 h 07 min 46 s
